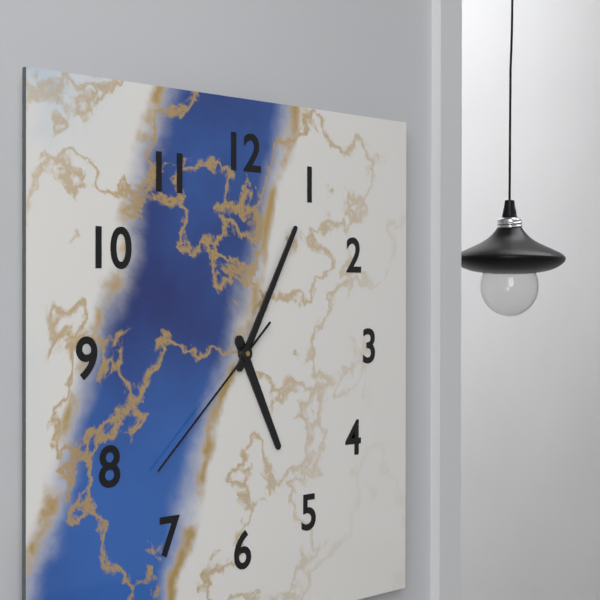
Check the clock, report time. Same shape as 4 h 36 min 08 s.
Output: 5 h 05 min 38 s
